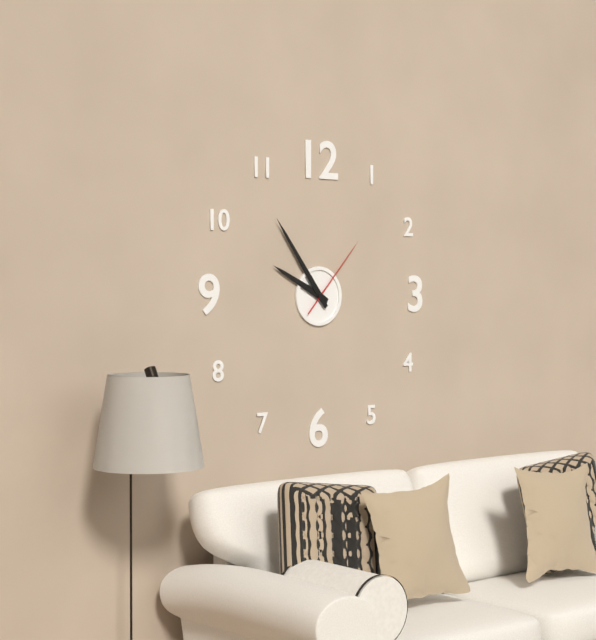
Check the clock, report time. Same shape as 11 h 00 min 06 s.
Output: 9 h 54 min 07 s
